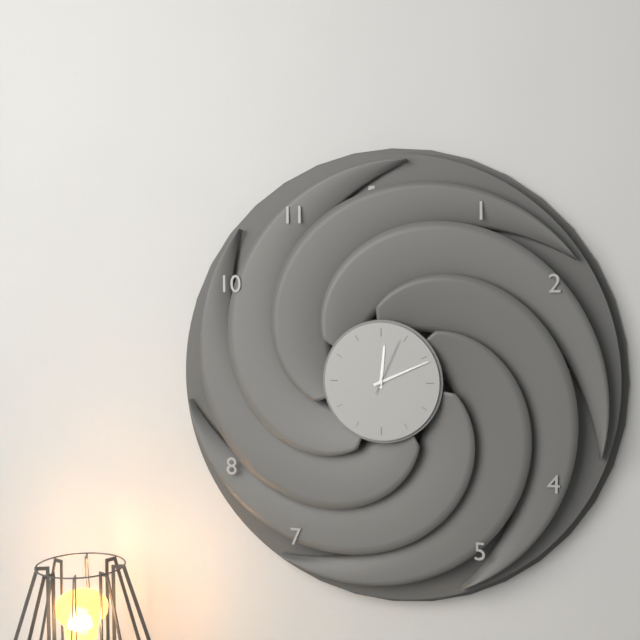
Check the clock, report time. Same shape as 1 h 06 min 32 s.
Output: 12 h 11 min 04 s
